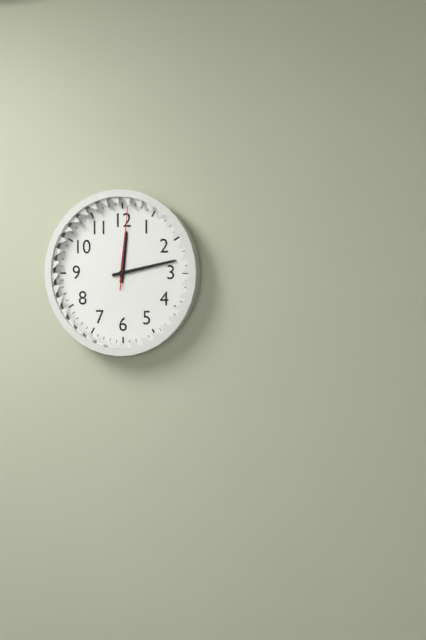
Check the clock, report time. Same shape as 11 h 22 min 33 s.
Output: 12 h 13 min 01 s
